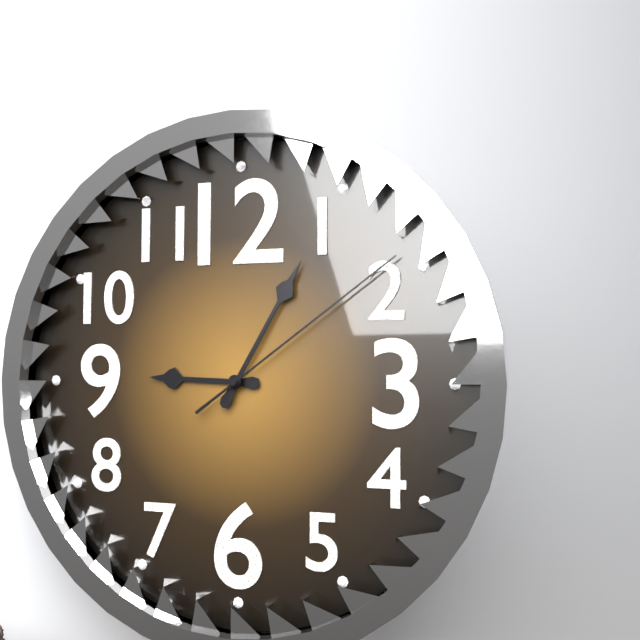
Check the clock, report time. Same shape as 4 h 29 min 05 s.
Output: 9 h 05 min 09 s
